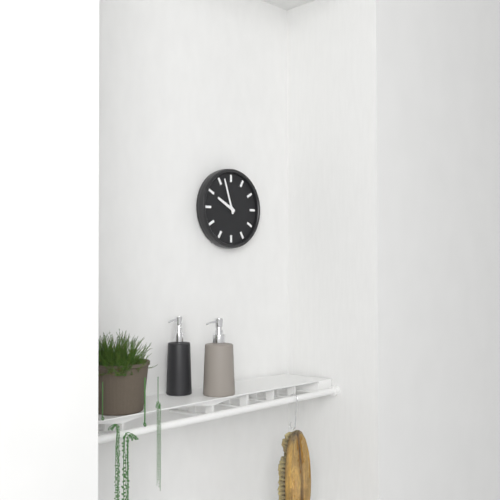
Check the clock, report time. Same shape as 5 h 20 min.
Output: 9 h 57 min
